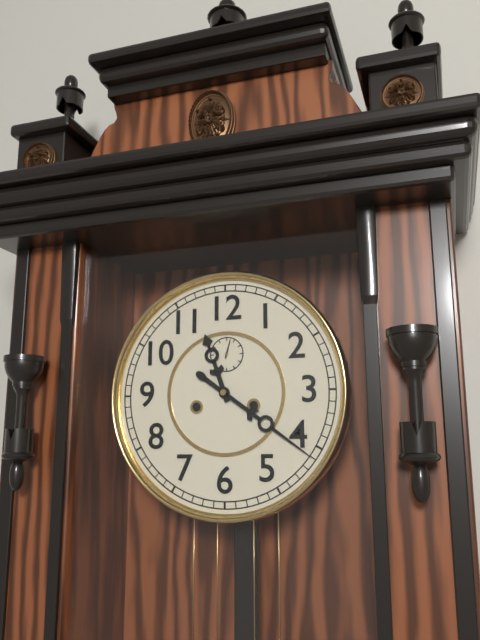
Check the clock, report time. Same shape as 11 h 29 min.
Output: 11 h 21 min
